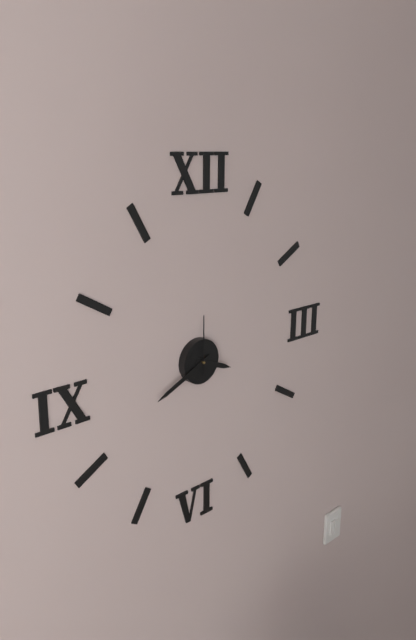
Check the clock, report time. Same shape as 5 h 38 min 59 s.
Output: 3 h 41 min 00 s
